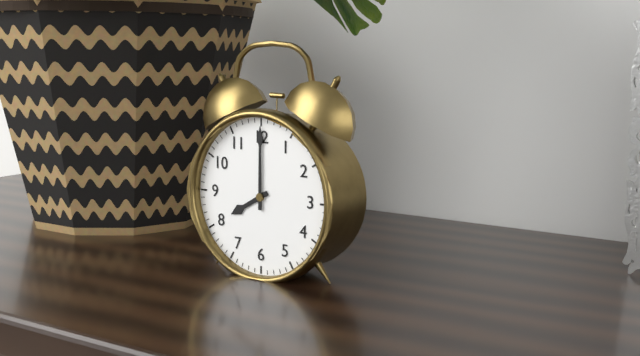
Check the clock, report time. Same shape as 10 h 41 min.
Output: 8 h 00 min
